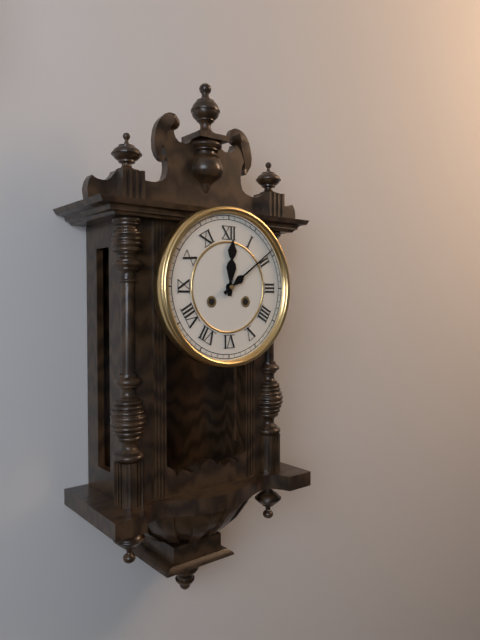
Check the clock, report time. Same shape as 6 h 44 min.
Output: 12 h 09 min
